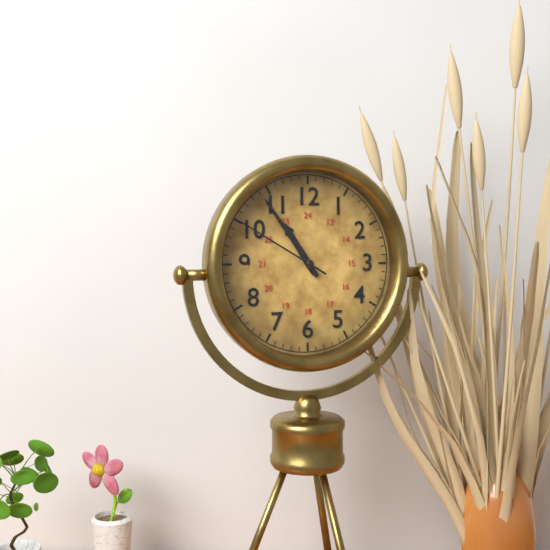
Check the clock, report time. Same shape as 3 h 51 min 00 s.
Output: 10 h 54 min 50 s
